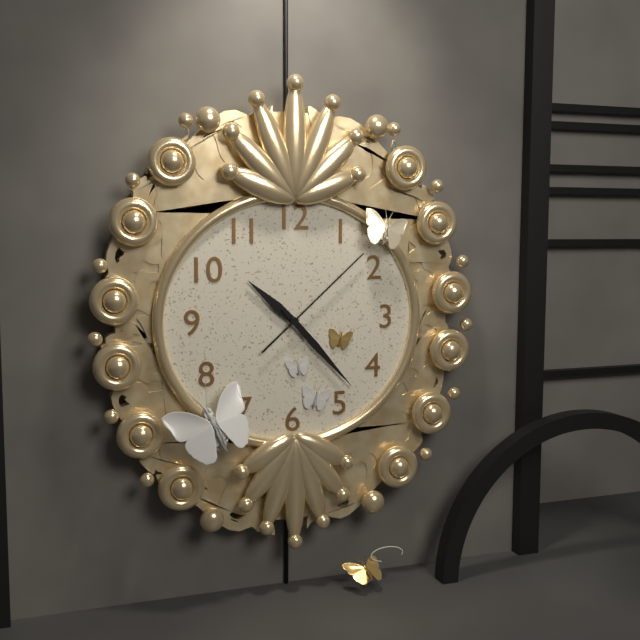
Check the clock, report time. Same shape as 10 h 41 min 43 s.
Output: 10 h 23 min 08 s
